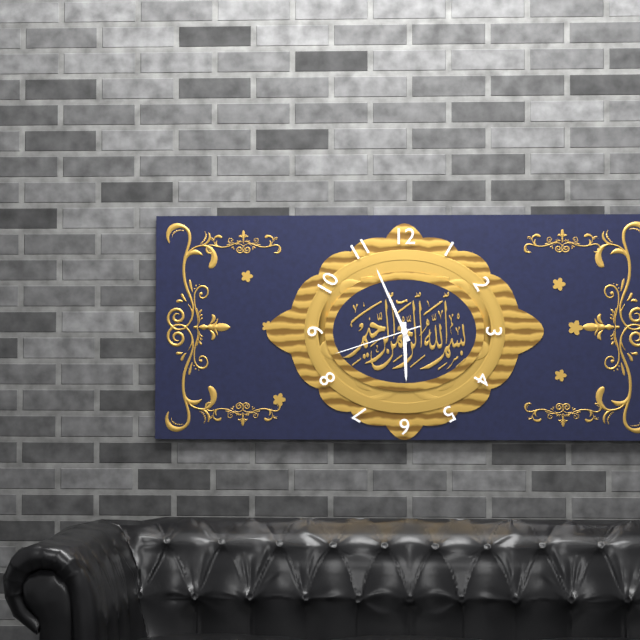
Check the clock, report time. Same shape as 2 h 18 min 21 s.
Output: 5 h 56 min 42 s
